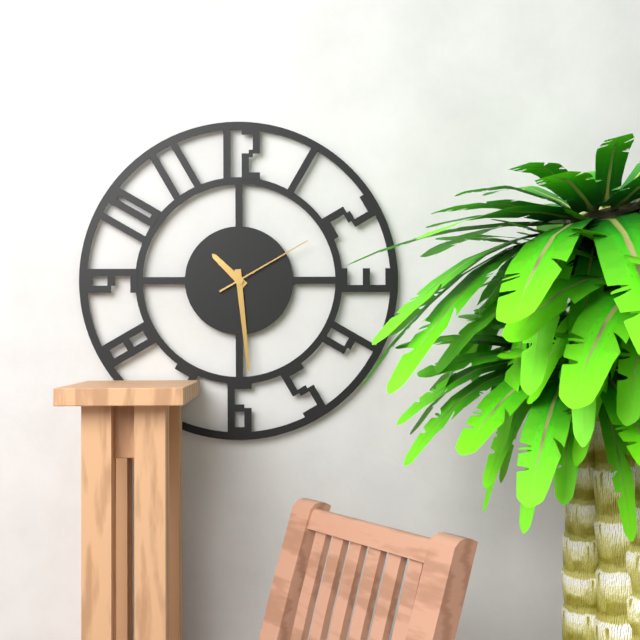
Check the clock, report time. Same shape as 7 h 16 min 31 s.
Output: 10 h 29 min 10 s
